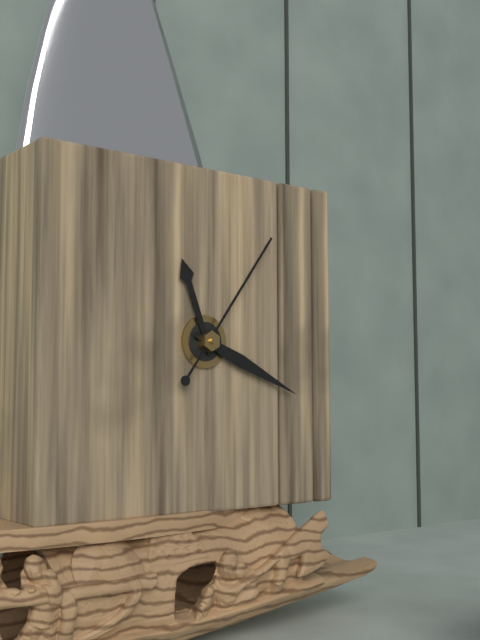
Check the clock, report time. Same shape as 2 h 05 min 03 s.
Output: 11 h 19 min 06 s
